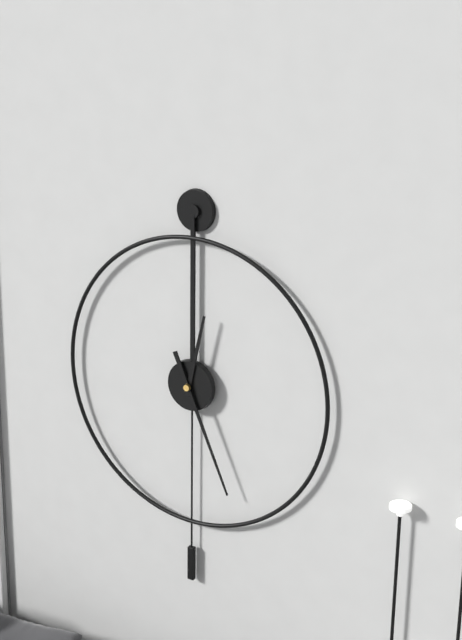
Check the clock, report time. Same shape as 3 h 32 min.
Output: 12 h 26 min
